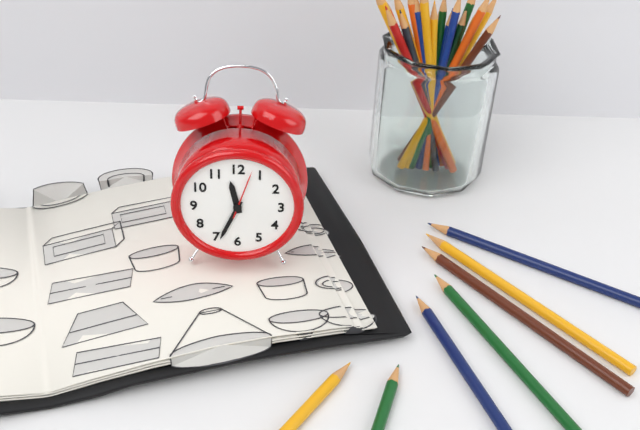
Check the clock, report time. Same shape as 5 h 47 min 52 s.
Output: 11 h 34 min 03 s
